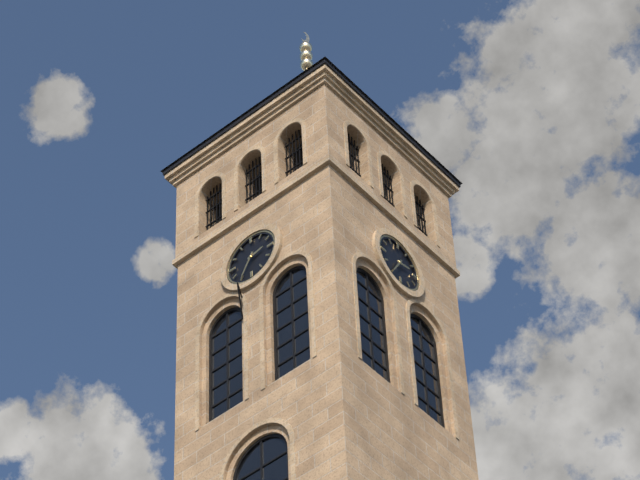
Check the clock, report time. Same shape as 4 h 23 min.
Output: 2 h 35 min
